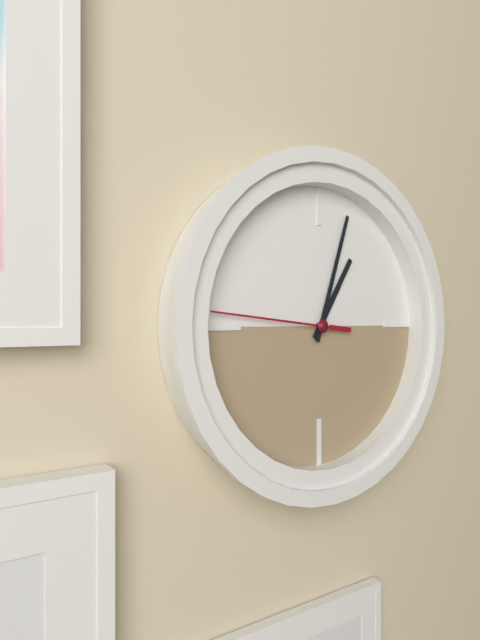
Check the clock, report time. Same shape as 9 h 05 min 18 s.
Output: 1 h 03 min 46 s
